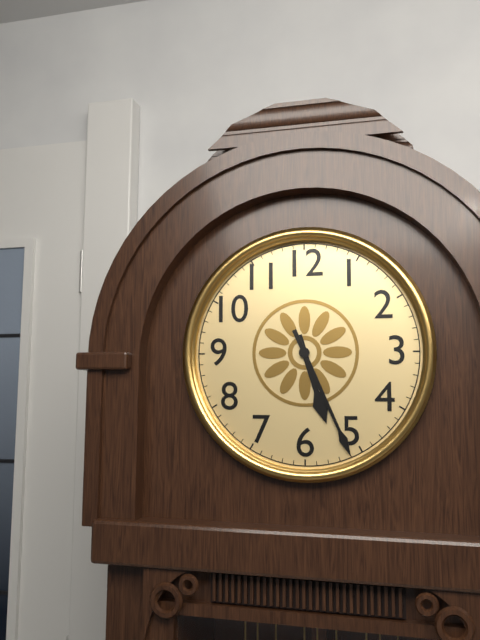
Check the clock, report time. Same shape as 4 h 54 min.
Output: 5 h 26 min
